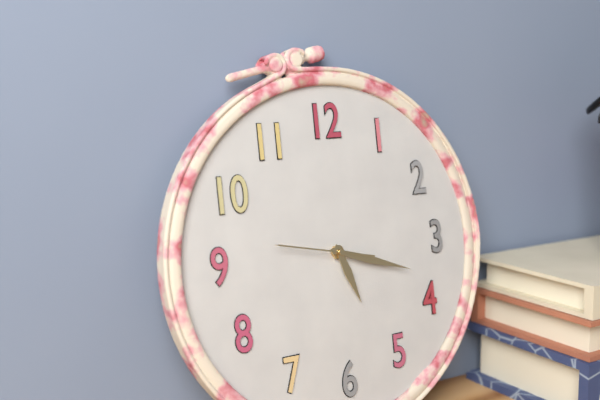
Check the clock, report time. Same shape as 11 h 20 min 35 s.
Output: 5 h 18 min 47 s
